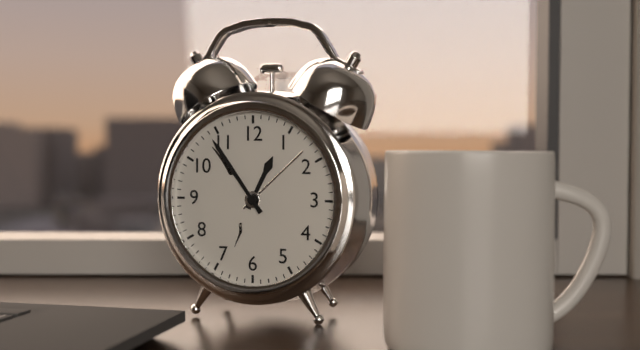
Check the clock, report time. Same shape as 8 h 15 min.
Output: 12 h 54 min
